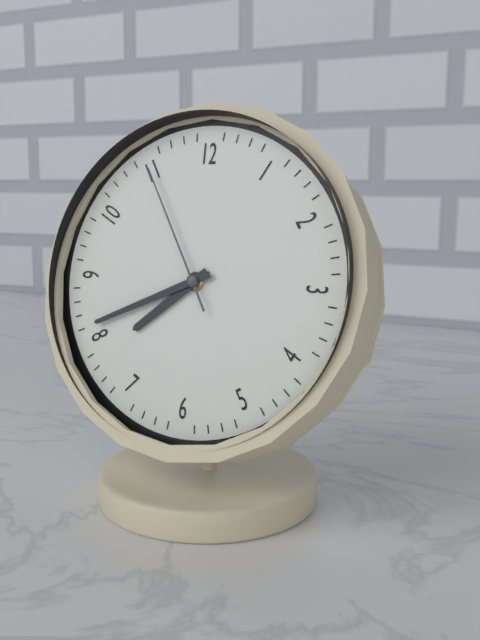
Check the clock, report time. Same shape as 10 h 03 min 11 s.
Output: 7 h 41 min 55 s
